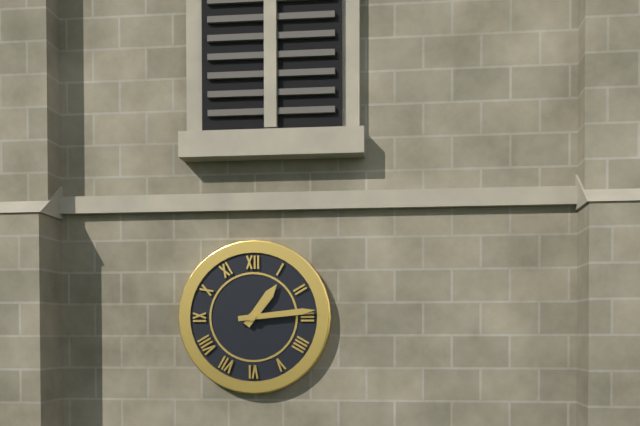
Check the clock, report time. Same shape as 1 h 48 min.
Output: 1 h 14 min
